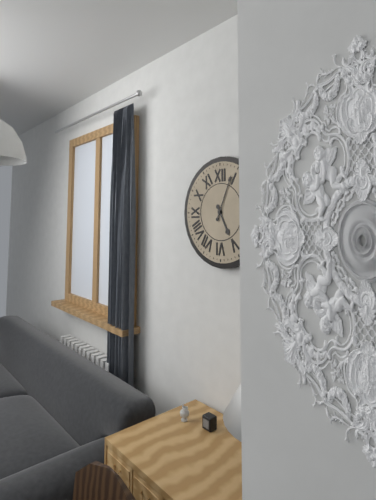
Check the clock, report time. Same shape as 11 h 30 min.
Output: 5 h 04 min
